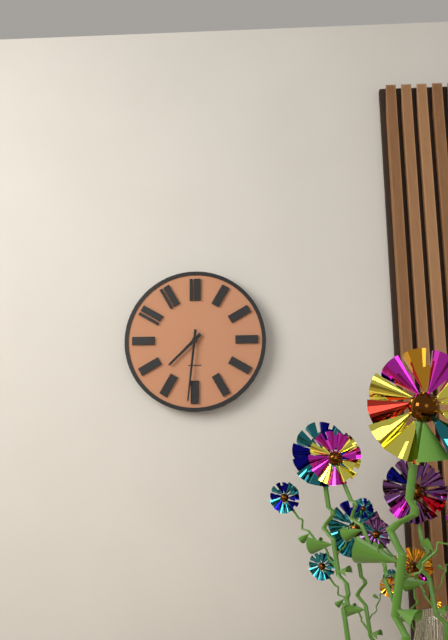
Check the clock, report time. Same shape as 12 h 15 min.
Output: 7 h 31 min
